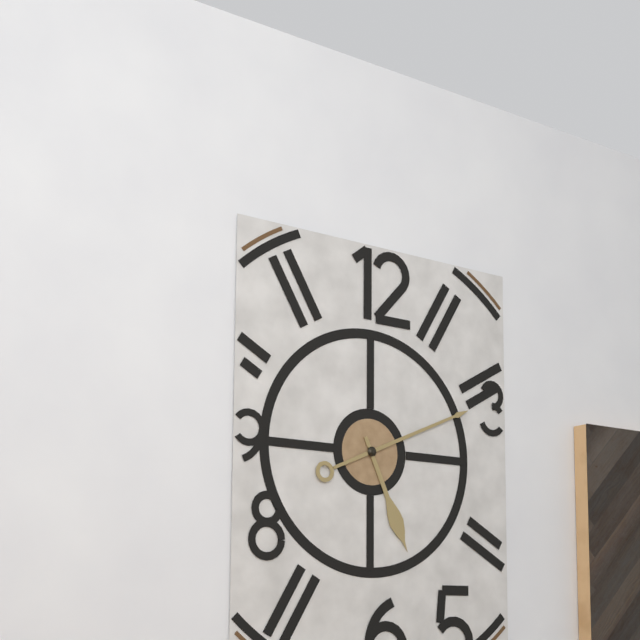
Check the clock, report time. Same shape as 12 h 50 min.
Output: 5 h 11 min
